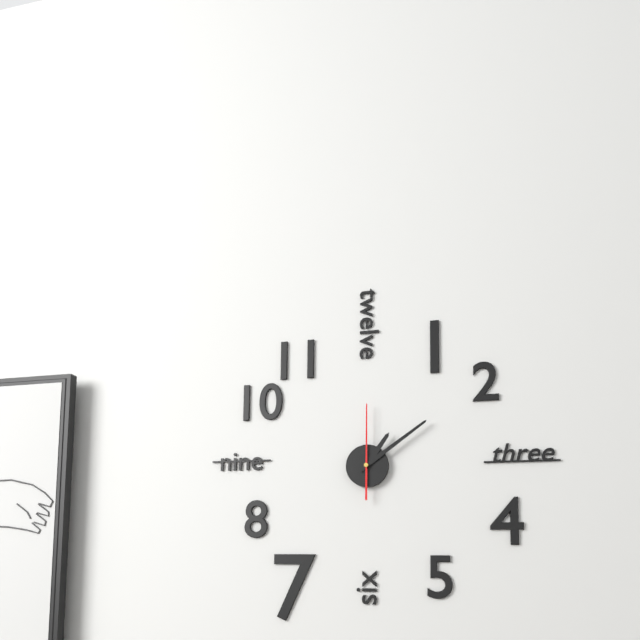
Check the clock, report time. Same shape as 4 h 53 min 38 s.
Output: 1 h 09 min 00 s
